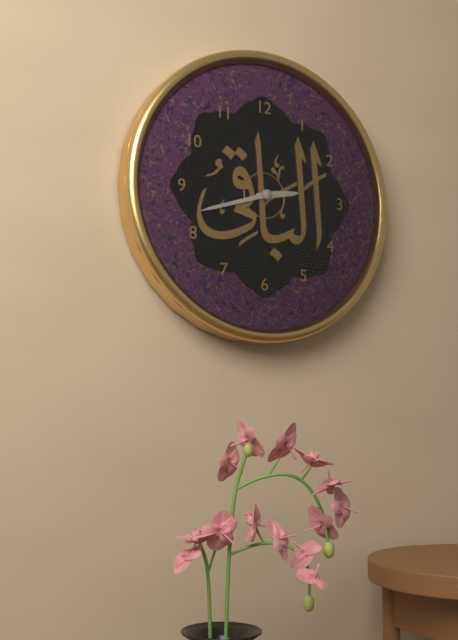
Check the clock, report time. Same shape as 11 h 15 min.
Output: 2 h 42 min
